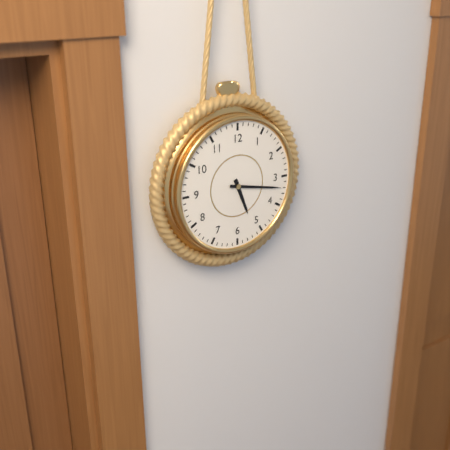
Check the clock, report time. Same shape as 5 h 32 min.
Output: 5 h 17 min
